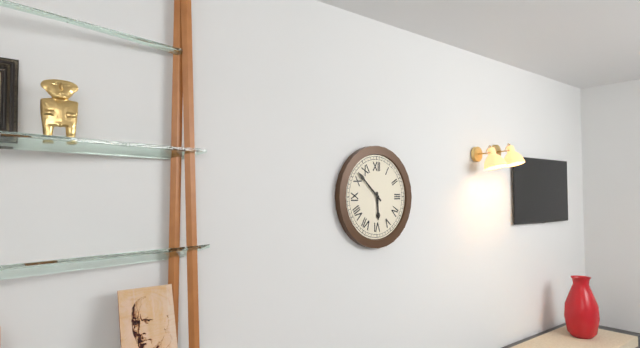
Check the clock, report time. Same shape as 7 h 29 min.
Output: 5 h 52 min
